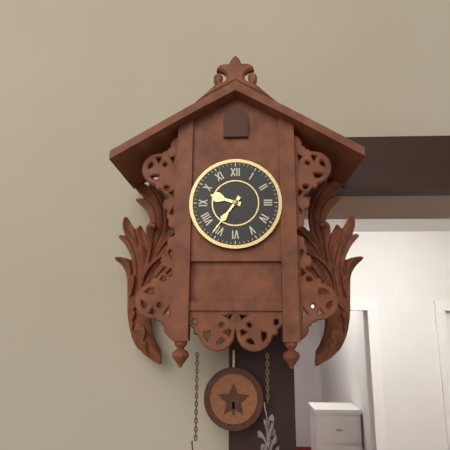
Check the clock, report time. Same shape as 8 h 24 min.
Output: 9 h 36 min
